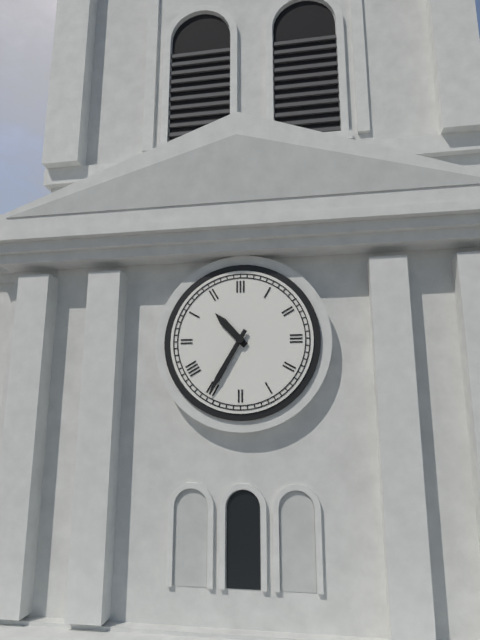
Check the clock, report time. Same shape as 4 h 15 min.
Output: 10 h 35 min
